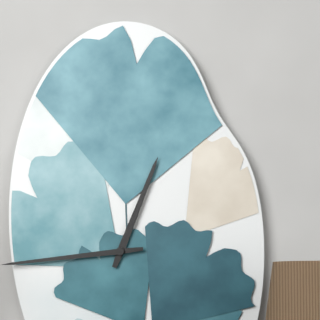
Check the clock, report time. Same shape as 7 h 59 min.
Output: 12 h 44 min
